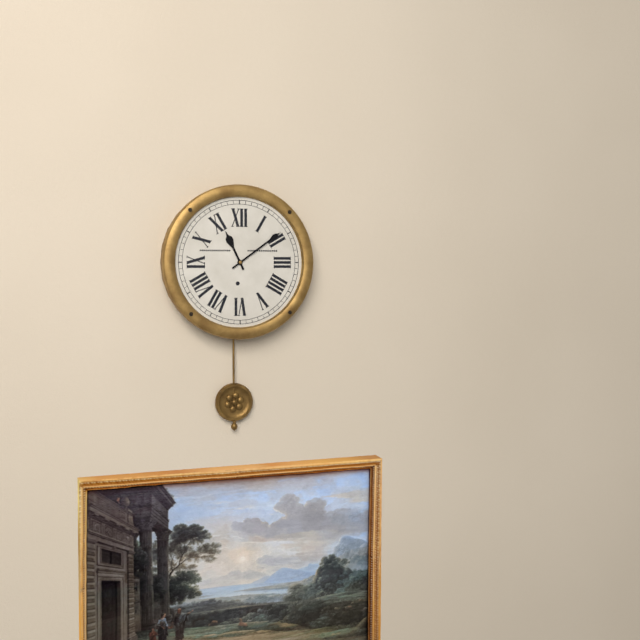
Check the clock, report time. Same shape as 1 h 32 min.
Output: 11 h 09 min
